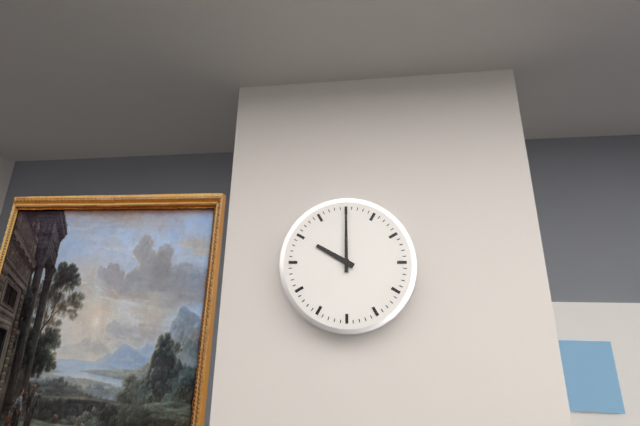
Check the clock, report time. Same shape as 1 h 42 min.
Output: 10 h 00 min
